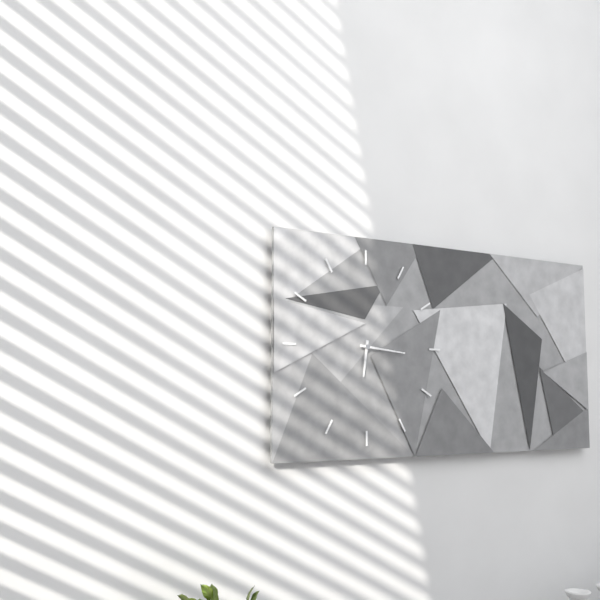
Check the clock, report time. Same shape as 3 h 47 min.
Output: 6 h 16 min
